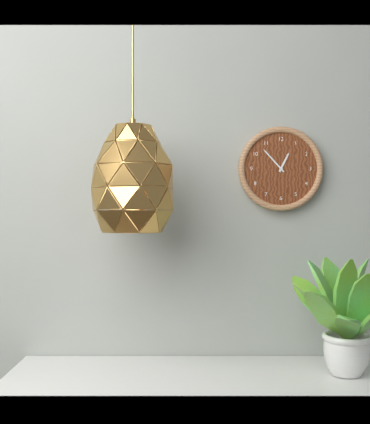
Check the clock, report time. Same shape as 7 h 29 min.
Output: 12 h 53 min
